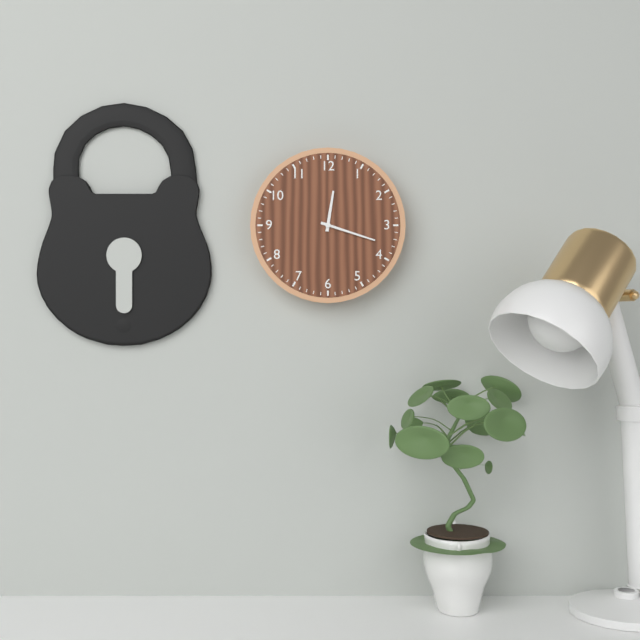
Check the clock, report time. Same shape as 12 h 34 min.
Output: 12 h 18 min
